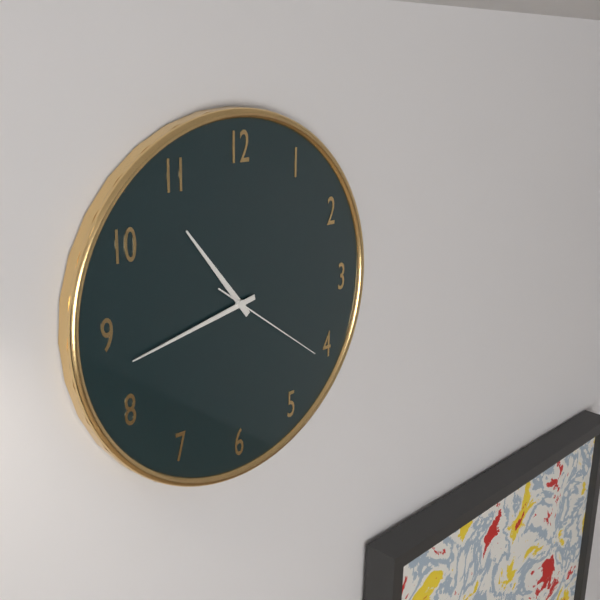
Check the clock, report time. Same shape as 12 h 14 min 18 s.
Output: 10 h 43 min 21 s
